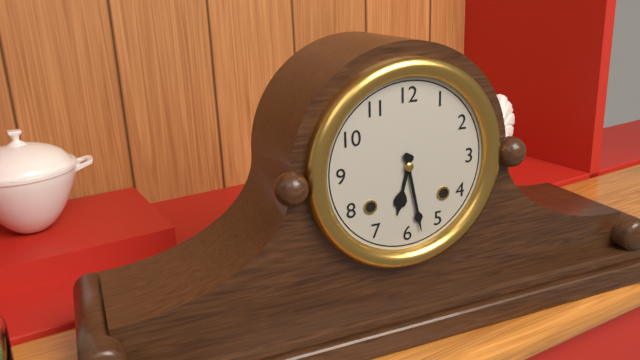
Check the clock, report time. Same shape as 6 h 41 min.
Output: 6 h 28 min
